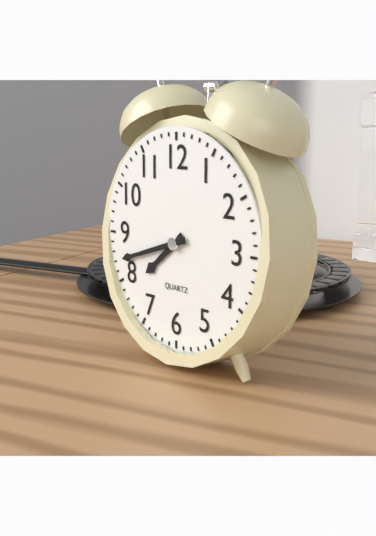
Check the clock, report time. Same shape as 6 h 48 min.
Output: 7 h 42 min
